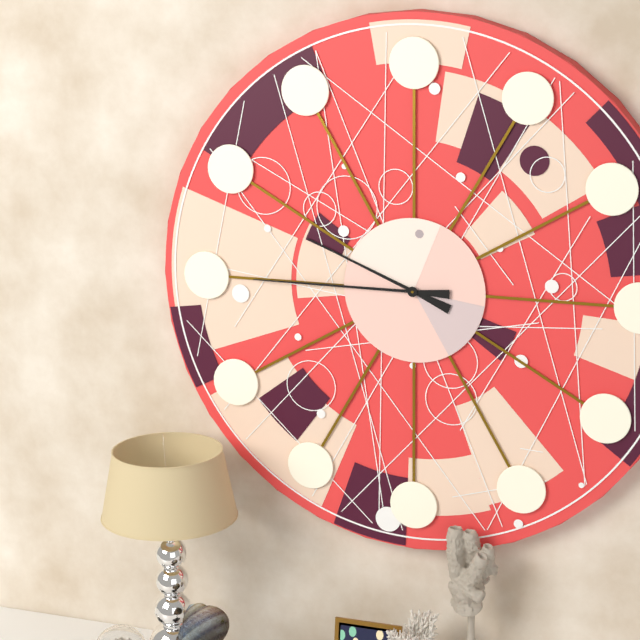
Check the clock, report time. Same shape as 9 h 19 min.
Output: 9 h 45 min
